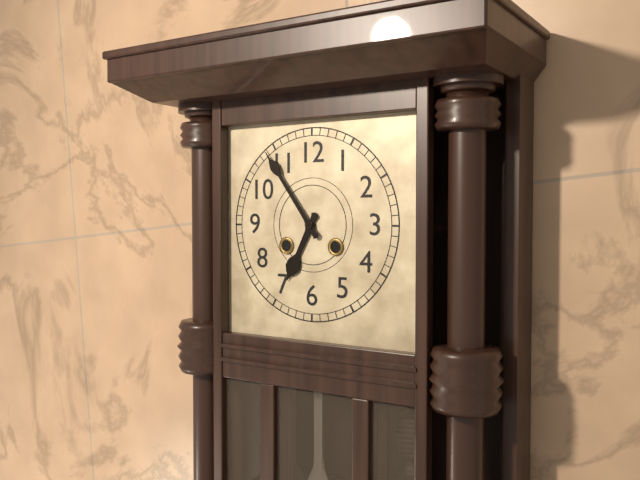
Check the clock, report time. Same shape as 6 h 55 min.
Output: 6 h 54 min
